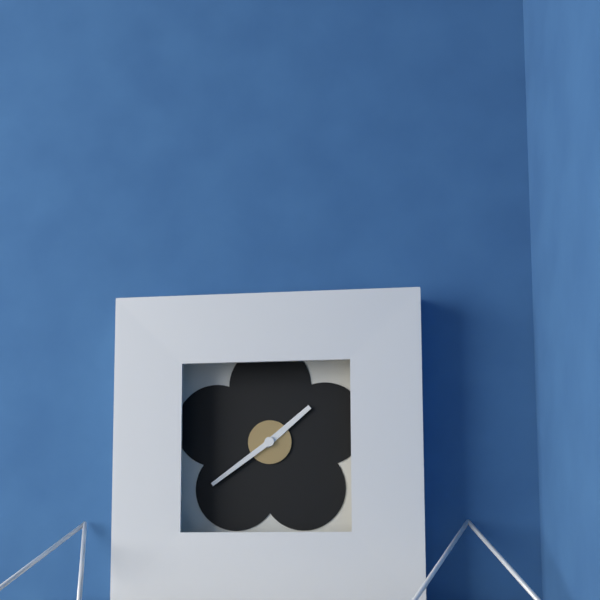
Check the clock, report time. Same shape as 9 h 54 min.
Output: 1 h 39 min
